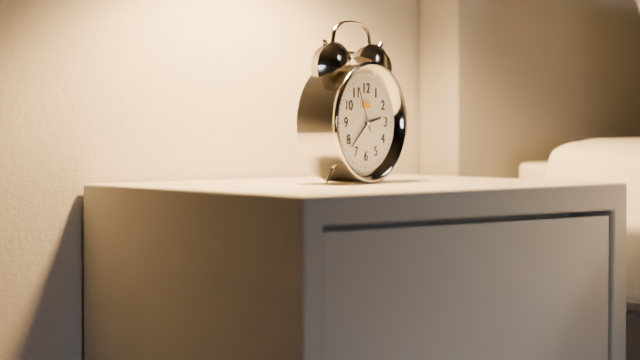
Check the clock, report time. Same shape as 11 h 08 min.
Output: 2 h 38 min
